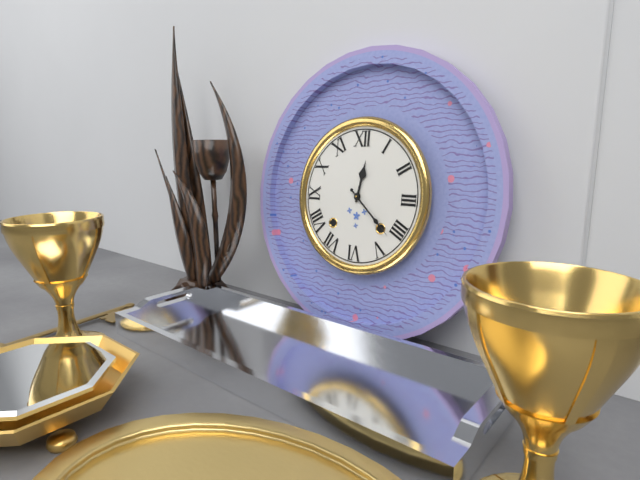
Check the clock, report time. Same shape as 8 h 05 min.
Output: 12 h 22 min
